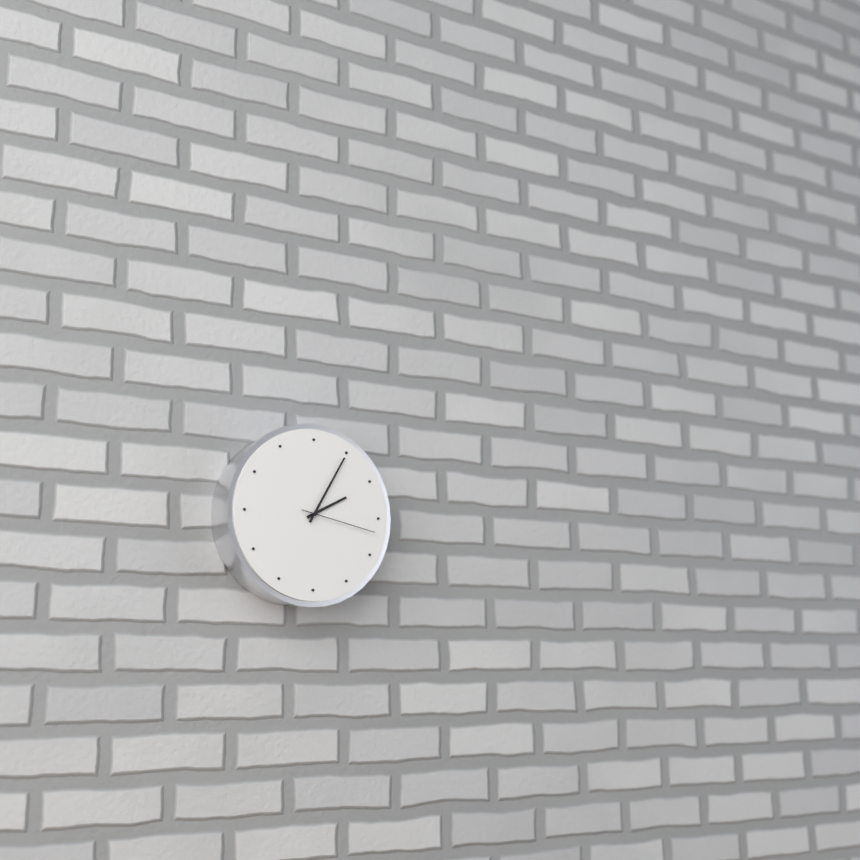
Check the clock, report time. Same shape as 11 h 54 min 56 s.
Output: 2 h 05 min 17 s
